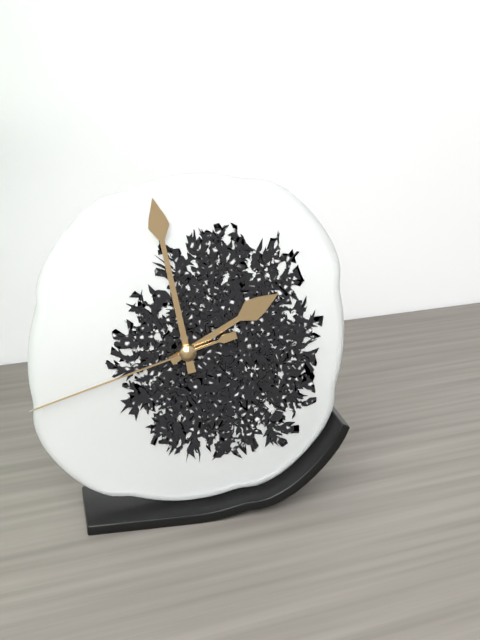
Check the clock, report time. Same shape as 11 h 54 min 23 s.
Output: 1 h 58 min 42 s
